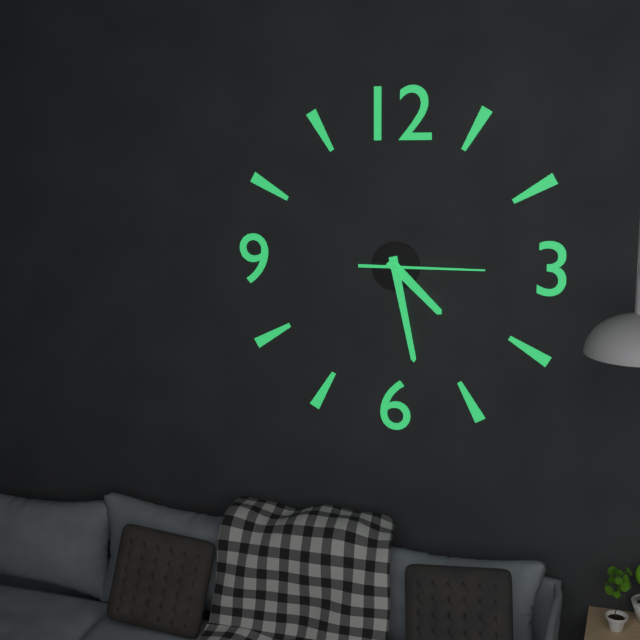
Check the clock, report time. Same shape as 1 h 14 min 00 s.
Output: 4 h 28 min 15 s
